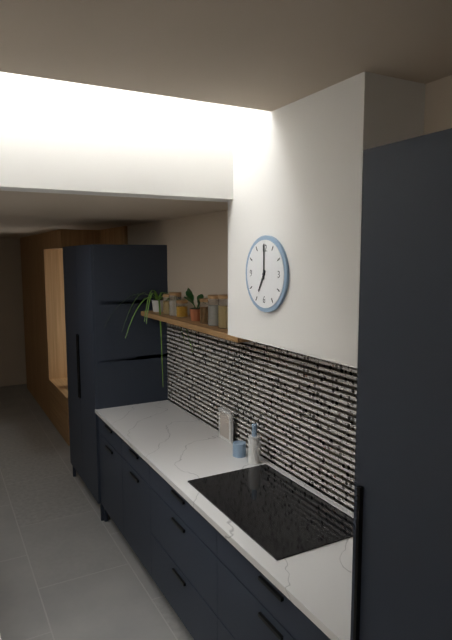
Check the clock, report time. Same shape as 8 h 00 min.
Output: 7 h 00 min
